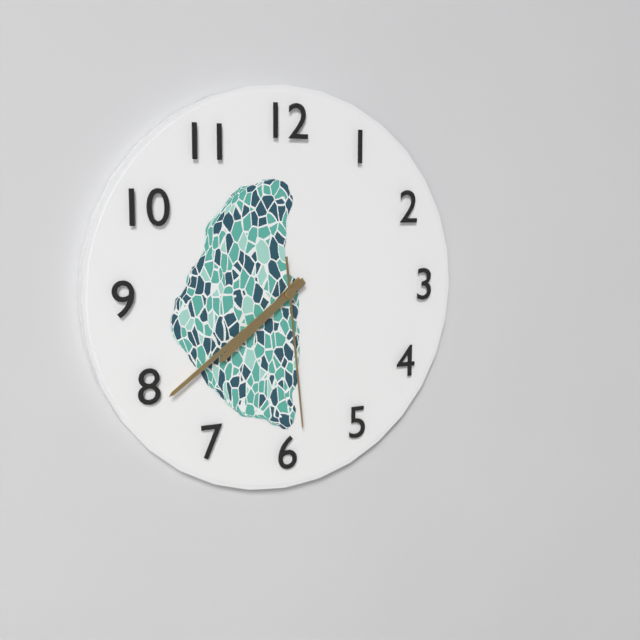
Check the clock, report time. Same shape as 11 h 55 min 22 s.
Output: 7 h 39 min 29 s
